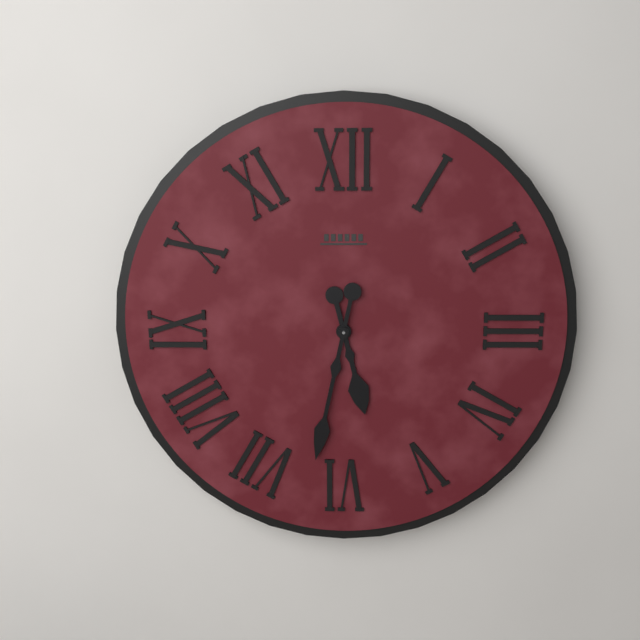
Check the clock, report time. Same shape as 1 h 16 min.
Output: 5 h 32 min
